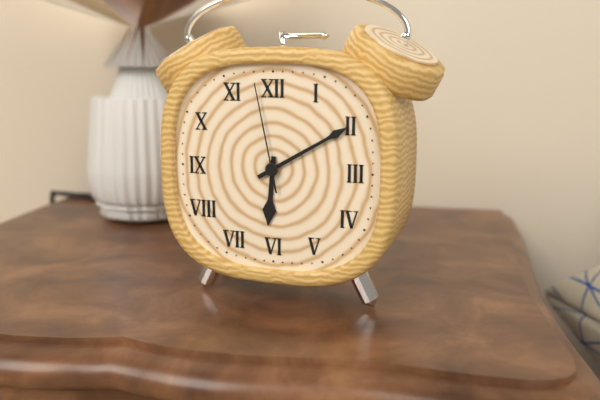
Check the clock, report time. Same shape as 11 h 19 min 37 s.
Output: 6 h 10 min 58 s
